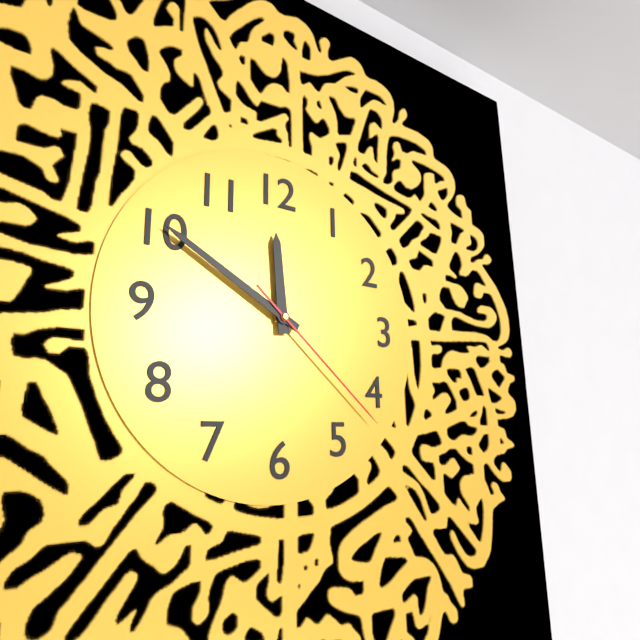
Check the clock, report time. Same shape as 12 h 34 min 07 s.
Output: 11 h 50 min 22 s
